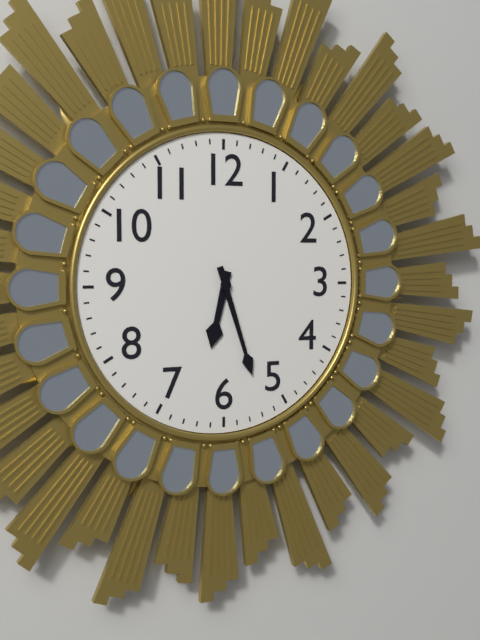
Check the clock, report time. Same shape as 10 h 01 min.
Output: 6 h 27 min
